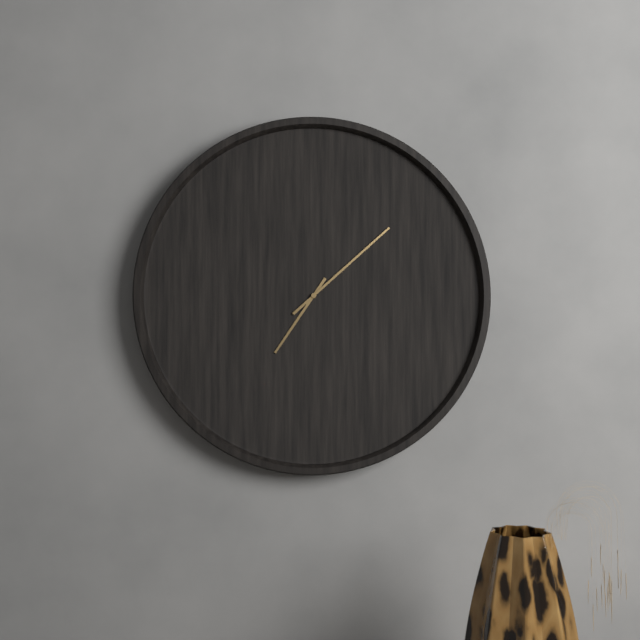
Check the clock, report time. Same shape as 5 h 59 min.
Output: 7 h 08 min
